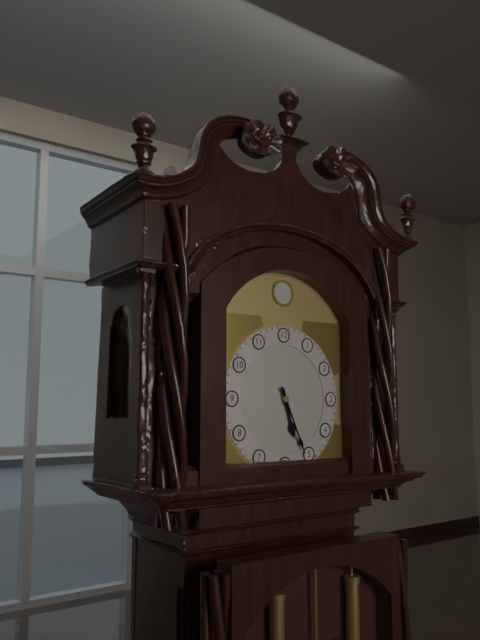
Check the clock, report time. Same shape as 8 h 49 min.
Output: 5 h 26 min
